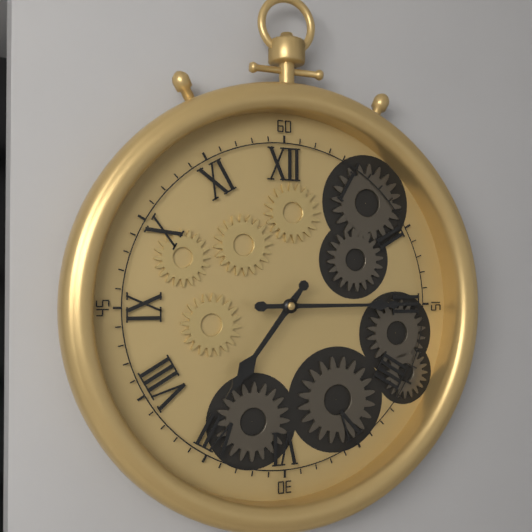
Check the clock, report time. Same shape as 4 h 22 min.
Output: 7 h 15 min
